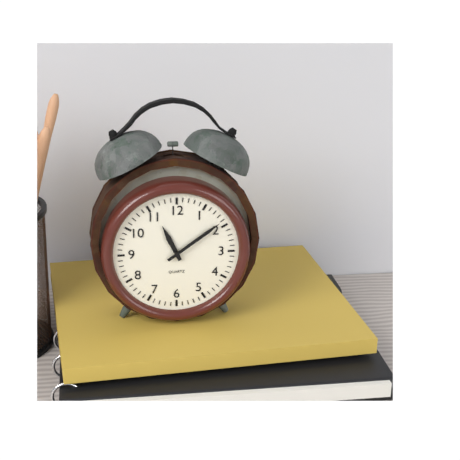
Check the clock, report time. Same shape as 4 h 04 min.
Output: 11 h 09 min
